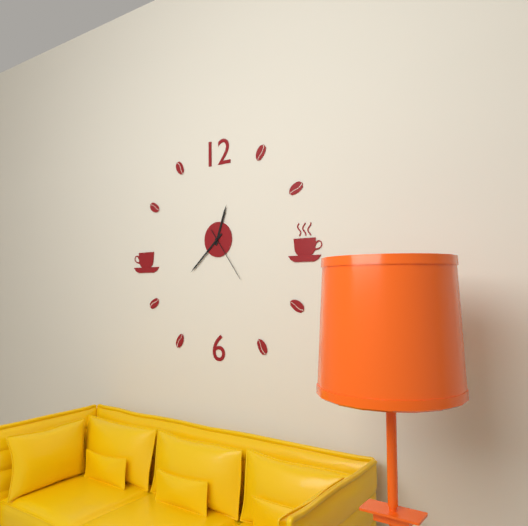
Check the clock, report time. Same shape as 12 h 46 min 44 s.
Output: 12 h 38 min 24 s
